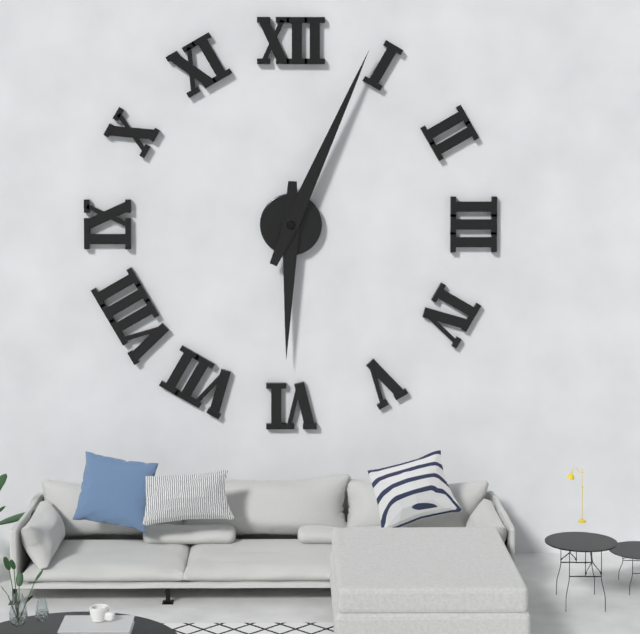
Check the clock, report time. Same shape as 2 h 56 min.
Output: 6 h 04 min
